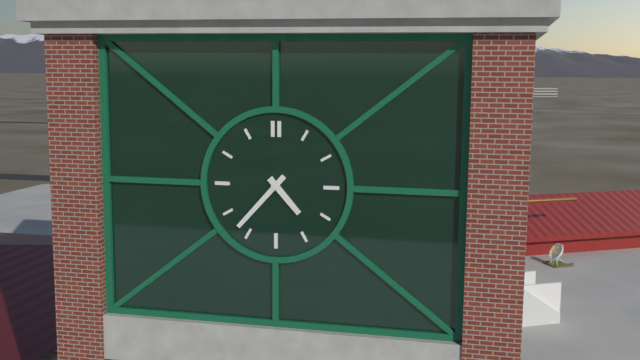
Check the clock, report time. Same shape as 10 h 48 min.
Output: 4 h 37 min
